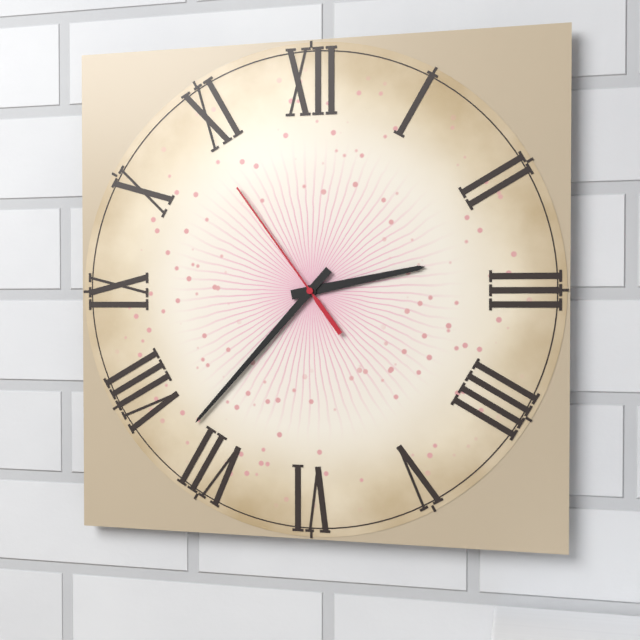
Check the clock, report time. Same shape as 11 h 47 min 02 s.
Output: 2 h 37 min 54 s
